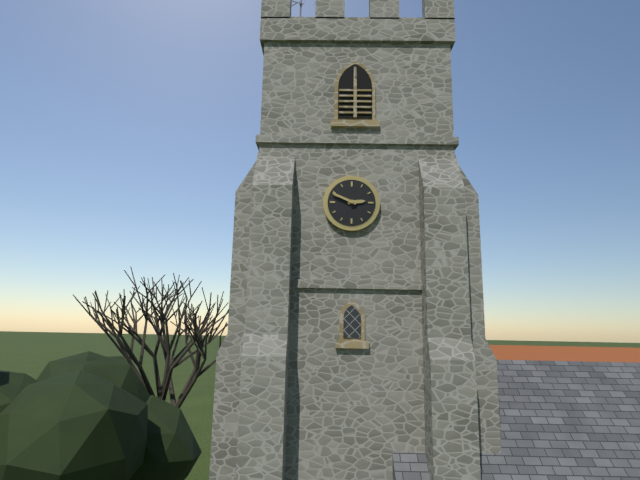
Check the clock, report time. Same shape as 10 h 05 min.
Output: 2 h 49 min
